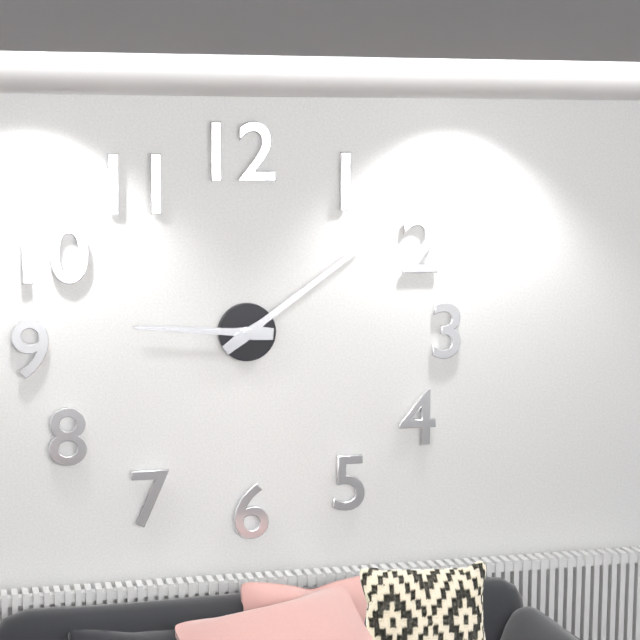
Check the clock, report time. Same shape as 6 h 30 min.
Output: 9 h 09 min
